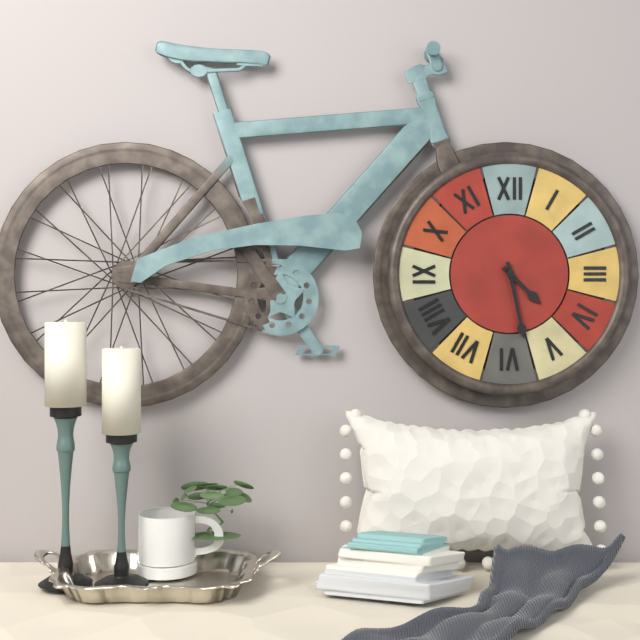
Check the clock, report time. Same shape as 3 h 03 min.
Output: 4 h 28 min
